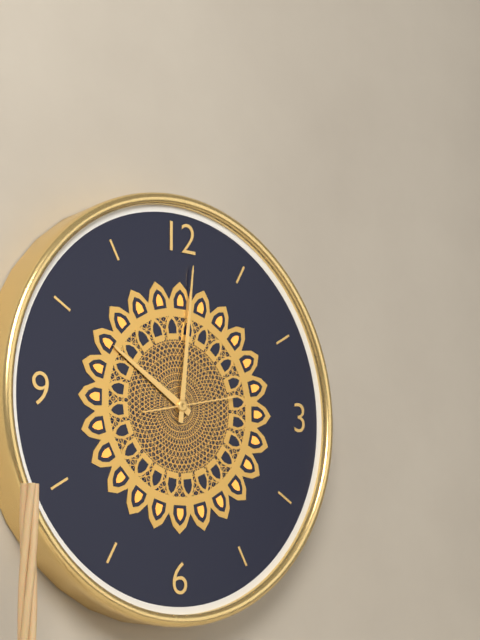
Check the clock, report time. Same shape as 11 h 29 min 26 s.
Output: 10 h 01 min 13 s
